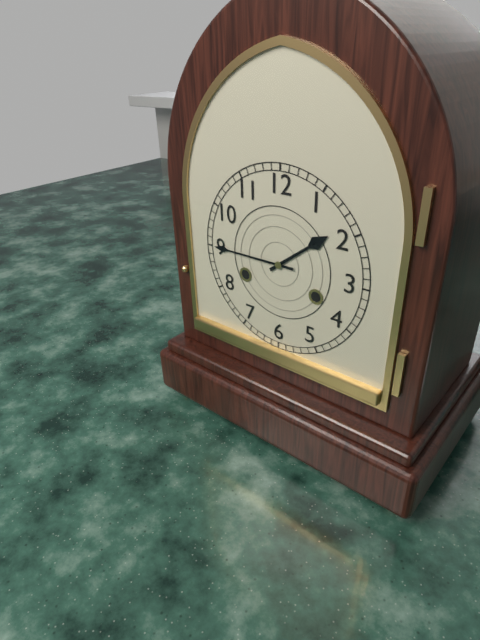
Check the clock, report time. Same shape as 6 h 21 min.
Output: 1 h 45 min
